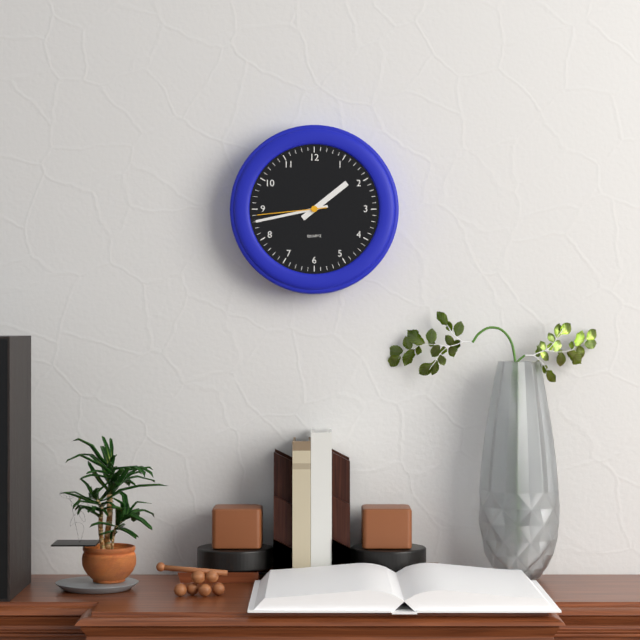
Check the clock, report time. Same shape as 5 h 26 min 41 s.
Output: 1 h 43 min 44 s
